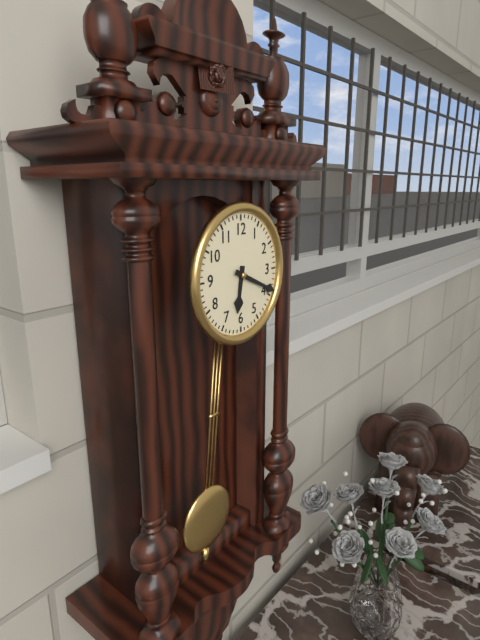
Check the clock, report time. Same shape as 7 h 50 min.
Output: 6 h 19 min
